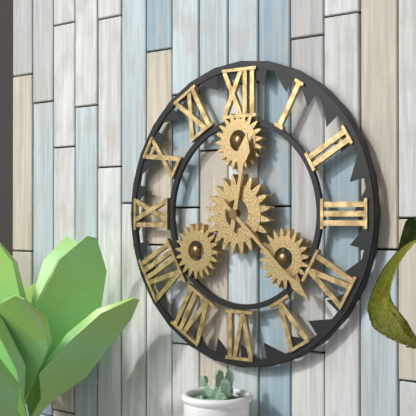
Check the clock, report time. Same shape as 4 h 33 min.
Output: 12 h 22 min
